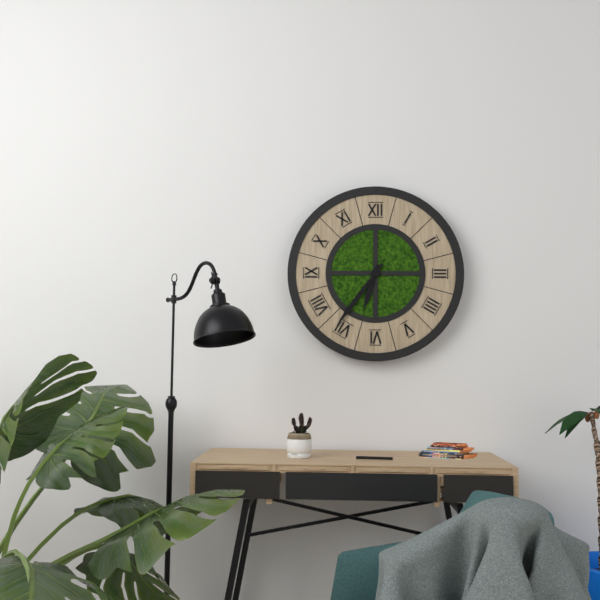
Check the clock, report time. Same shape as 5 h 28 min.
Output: 6 h 36 min
